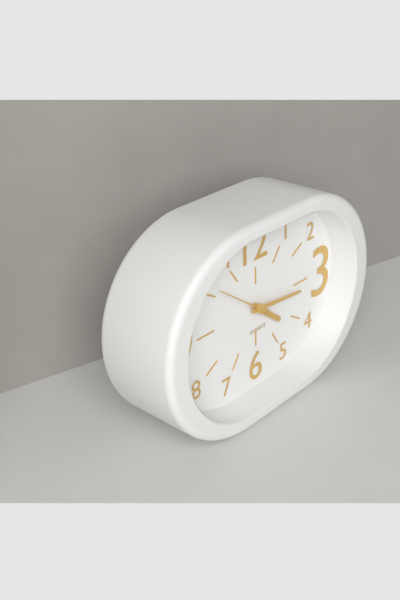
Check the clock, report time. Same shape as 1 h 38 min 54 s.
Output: 4 h 16 min 51 s
